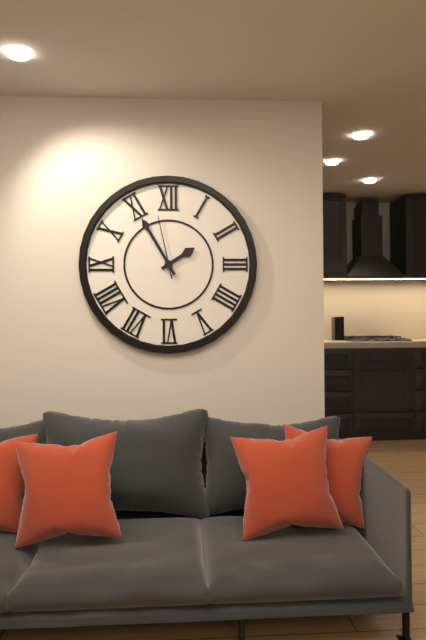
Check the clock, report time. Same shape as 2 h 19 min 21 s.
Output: 1 h 55 min 58 s
